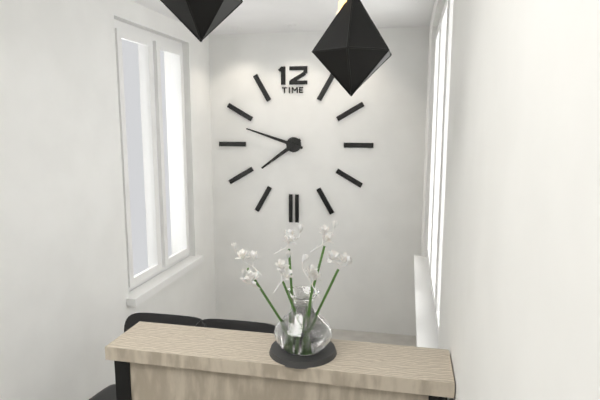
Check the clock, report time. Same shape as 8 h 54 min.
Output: 7 h 48 min
